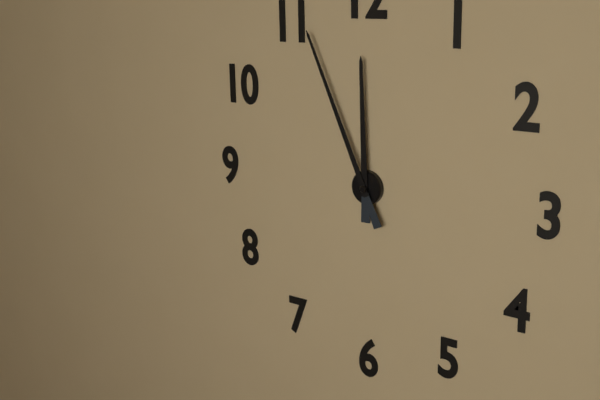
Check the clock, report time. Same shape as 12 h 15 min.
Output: 11 h 56 min
